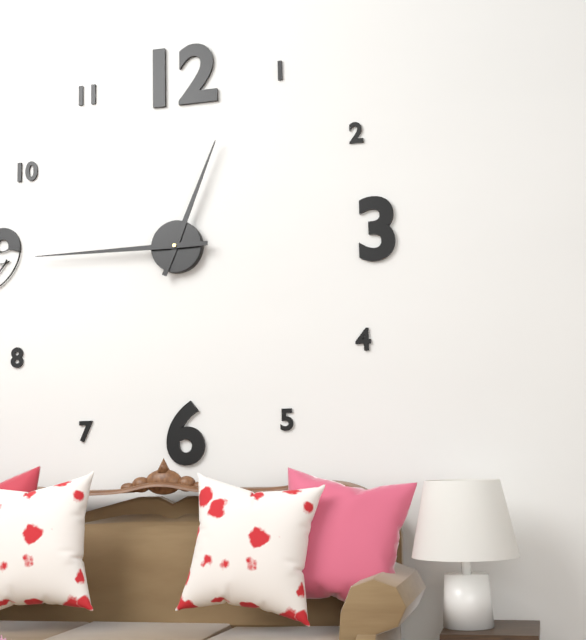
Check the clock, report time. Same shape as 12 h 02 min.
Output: 12 h 45 min
